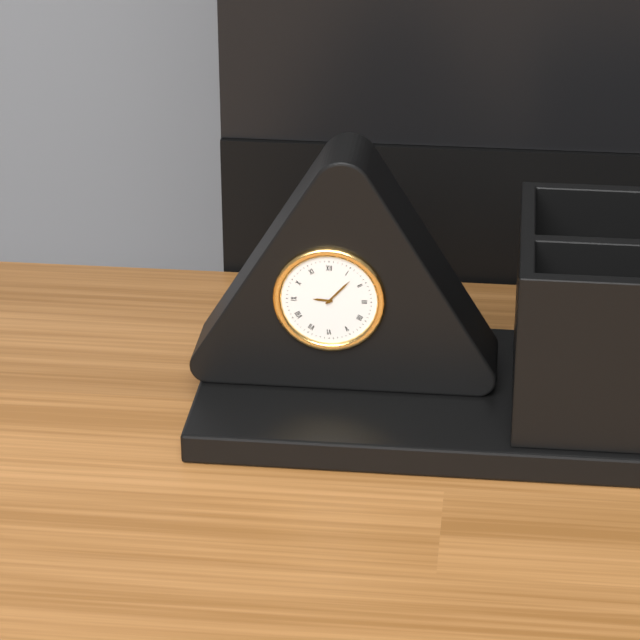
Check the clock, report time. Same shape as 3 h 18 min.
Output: 9 h 07 min
